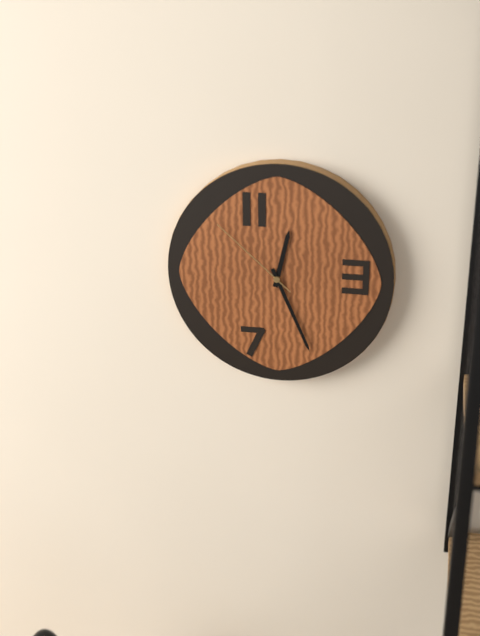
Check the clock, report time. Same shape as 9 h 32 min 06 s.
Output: 12 h 26 min 52 s
